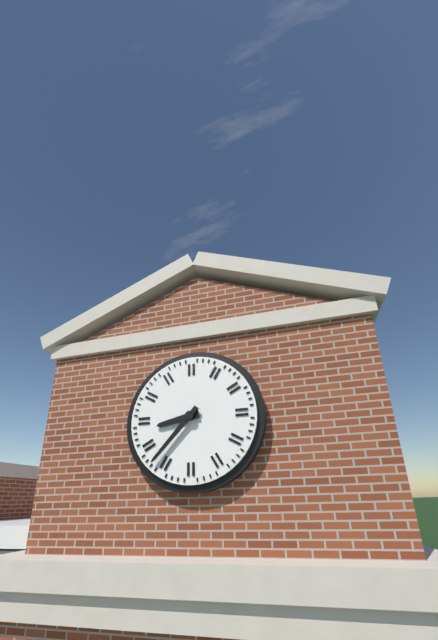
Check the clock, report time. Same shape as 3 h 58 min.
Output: 8 h 37 min
